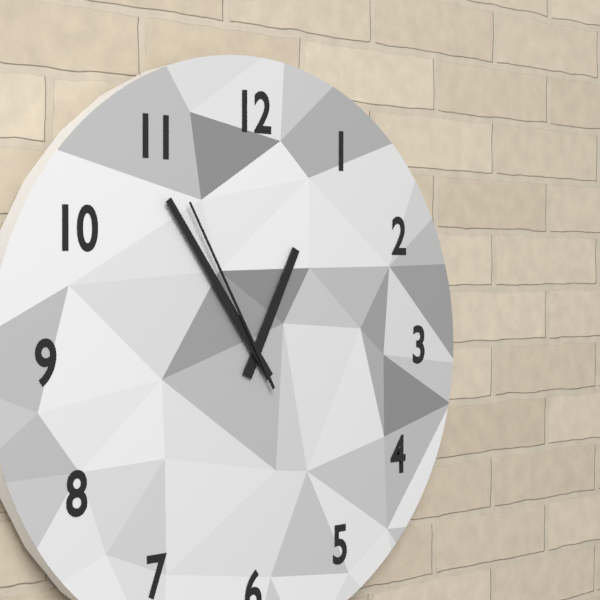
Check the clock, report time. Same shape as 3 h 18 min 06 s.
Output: 12 h 54 min 55 s
